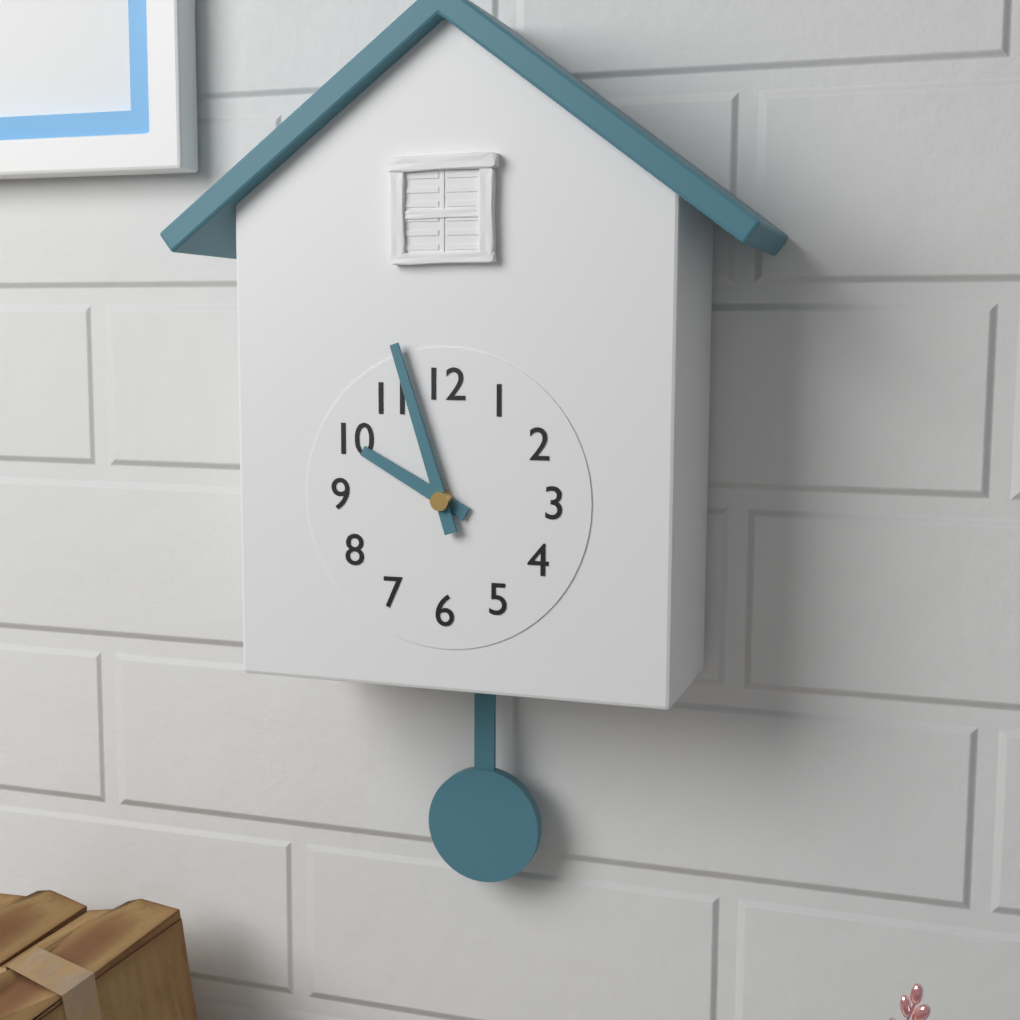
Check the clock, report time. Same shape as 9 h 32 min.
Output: 9 h 57 min
